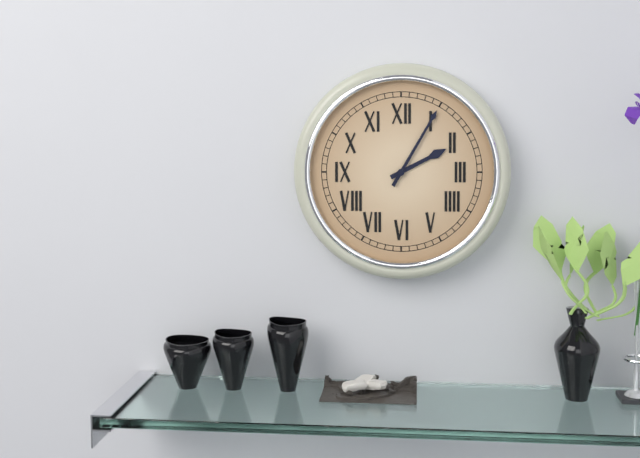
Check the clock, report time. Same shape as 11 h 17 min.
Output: 2 h 05 min
